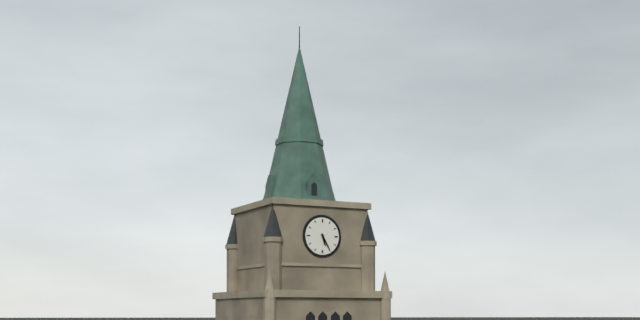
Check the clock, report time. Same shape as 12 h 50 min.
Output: 5 h 25 min
